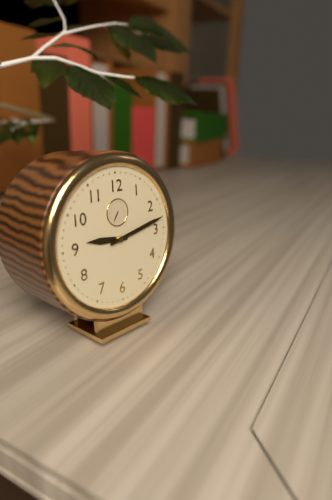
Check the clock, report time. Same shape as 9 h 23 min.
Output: 9 h 13 min
